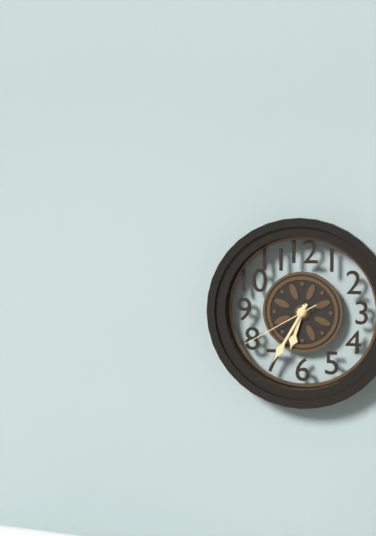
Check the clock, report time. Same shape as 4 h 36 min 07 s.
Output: 6 h 35 min 40 s
